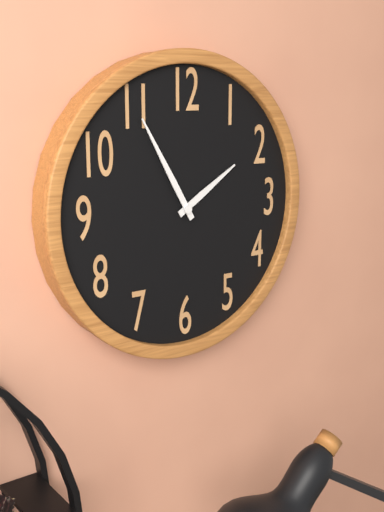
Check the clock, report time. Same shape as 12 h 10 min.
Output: 1 h 55 min
